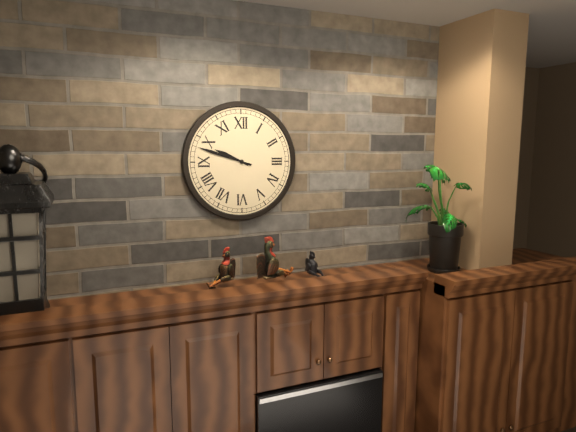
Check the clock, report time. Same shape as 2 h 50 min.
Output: 9 h 48 min
